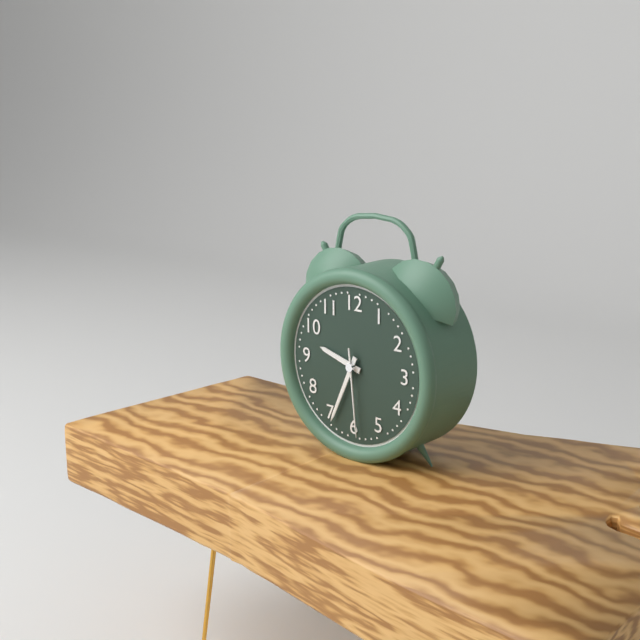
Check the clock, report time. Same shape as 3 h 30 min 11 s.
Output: 9 h 34 min 29 s
